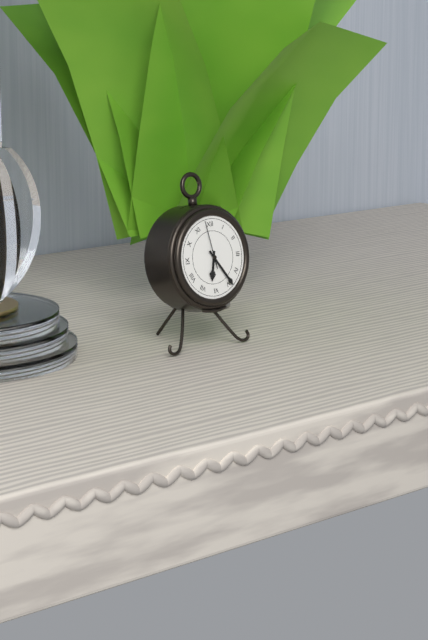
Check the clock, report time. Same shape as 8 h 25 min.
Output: 6 h 24 min
